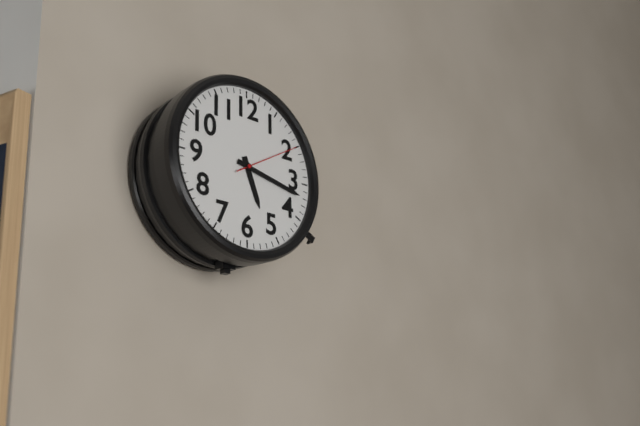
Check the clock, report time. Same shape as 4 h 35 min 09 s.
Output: 5 h 17 min 10 s
